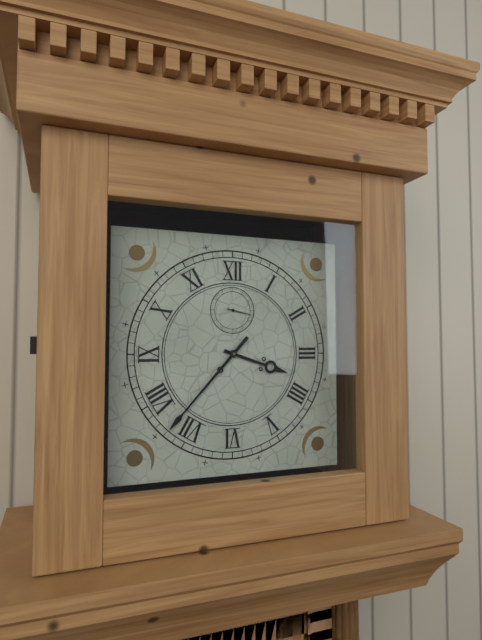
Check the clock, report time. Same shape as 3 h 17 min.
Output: 3 h 37 min
